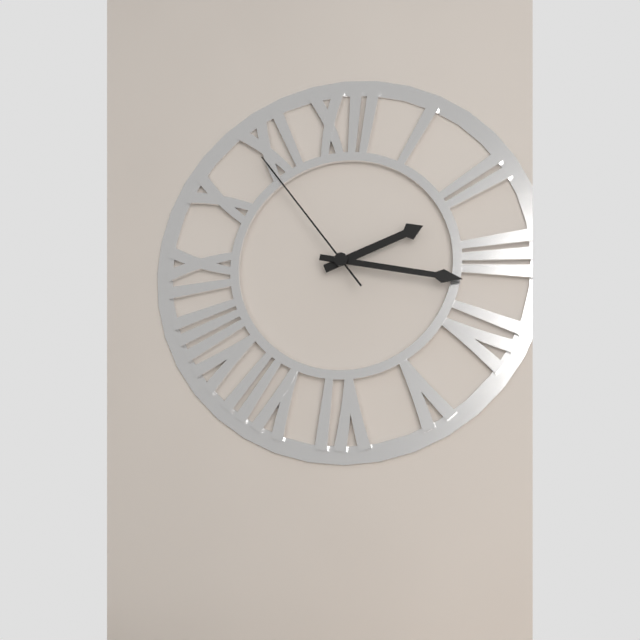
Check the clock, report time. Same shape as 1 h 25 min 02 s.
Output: 2 h 17 min 54 s
